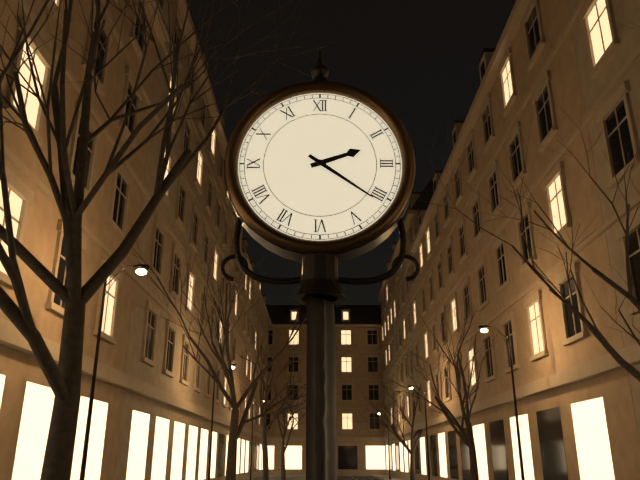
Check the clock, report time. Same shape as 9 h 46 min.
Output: 2 h 21 min
